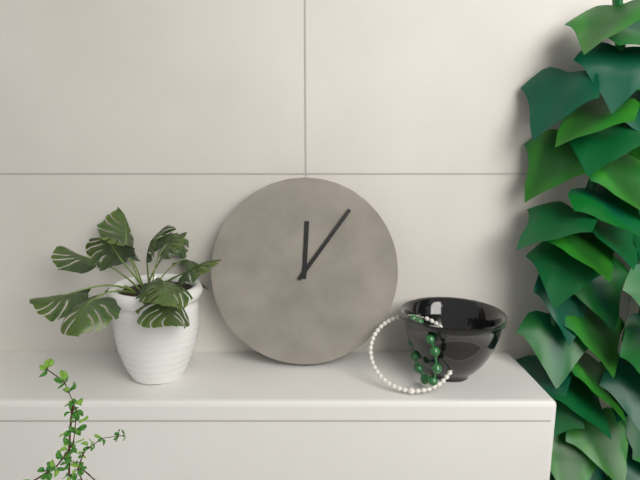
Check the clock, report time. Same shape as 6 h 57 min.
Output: 12 h 06 min
